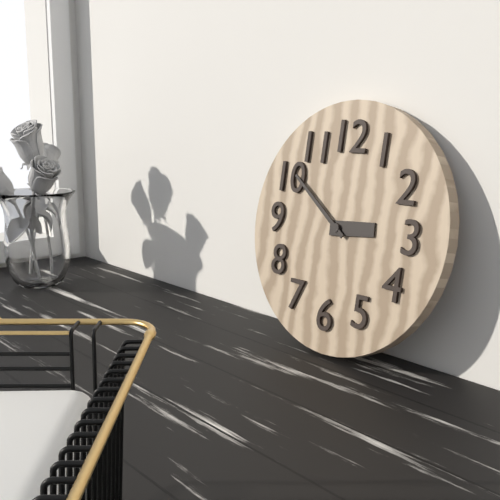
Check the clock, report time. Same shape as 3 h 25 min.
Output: 2 h 51 min
